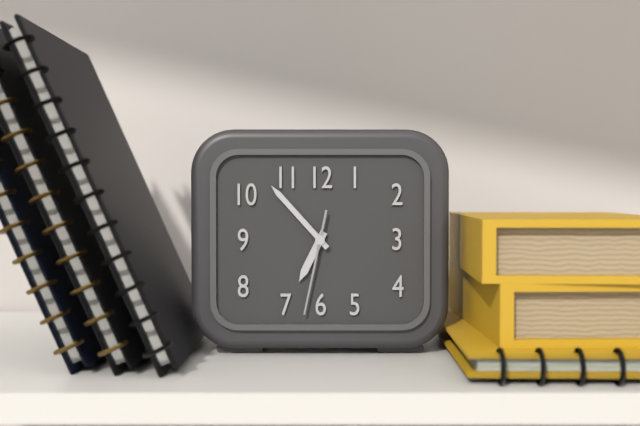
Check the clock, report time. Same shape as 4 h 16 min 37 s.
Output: 6 h 53 min 32 s
